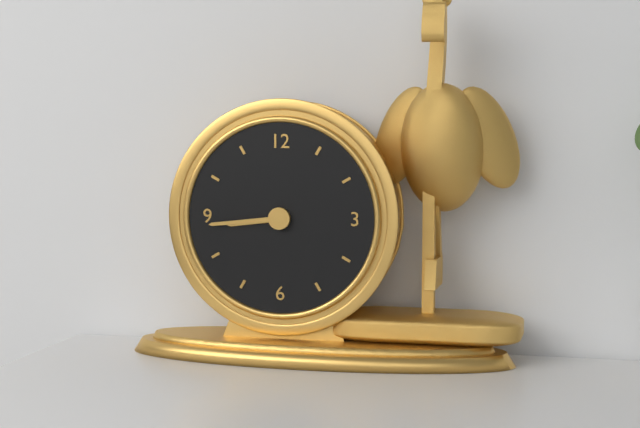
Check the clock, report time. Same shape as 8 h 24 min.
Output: 8 h 44 min
